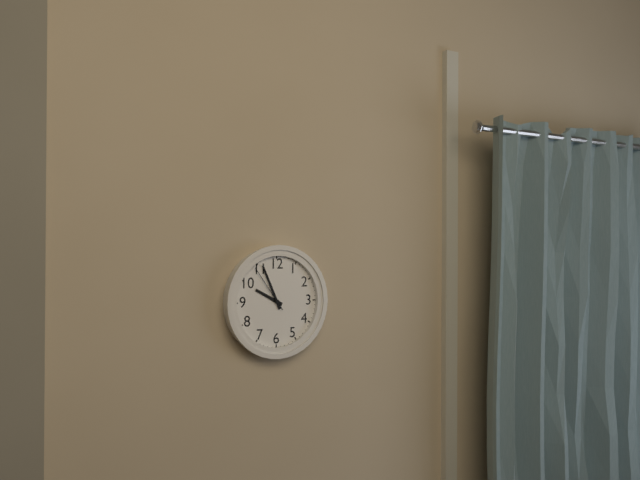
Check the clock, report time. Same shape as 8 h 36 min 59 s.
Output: 9 h 56 min 54 s
